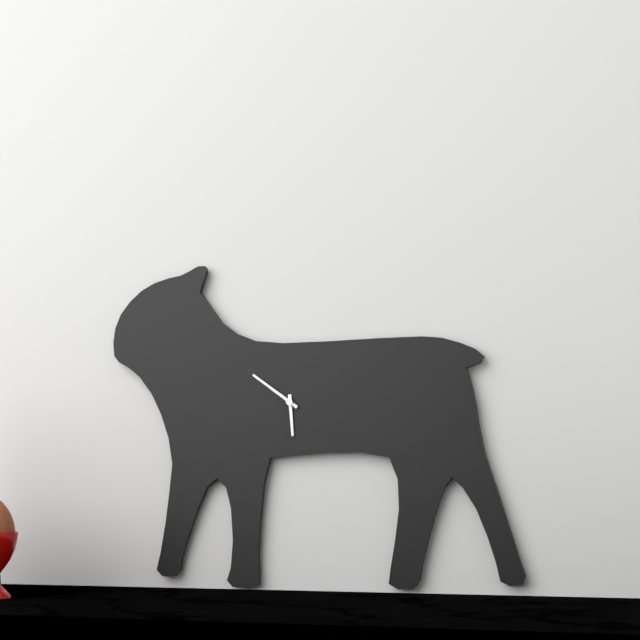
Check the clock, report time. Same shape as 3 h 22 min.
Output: 5 h 51 min
